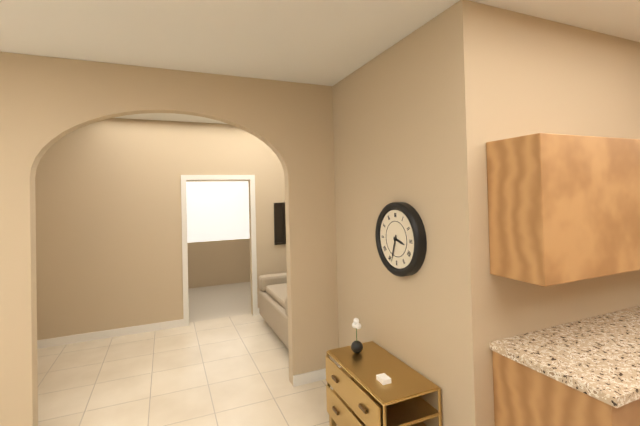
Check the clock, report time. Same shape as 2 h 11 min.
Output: 3 h 33 min
